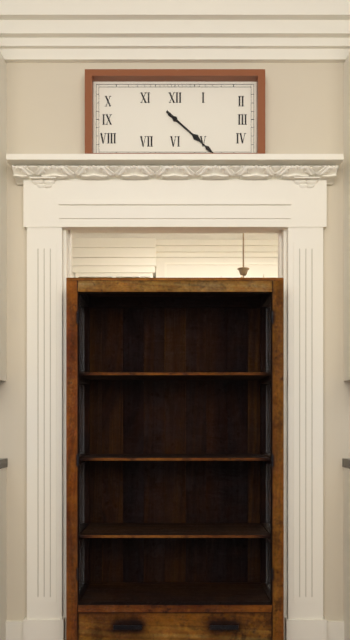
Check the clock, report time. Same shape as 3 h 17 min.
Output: 4 h 22 min
